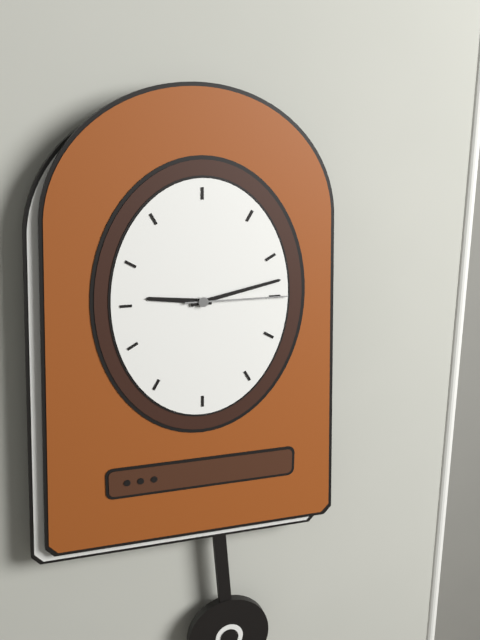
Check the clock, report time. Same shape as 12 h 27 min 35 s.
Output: 9 h 13 min 15 s
